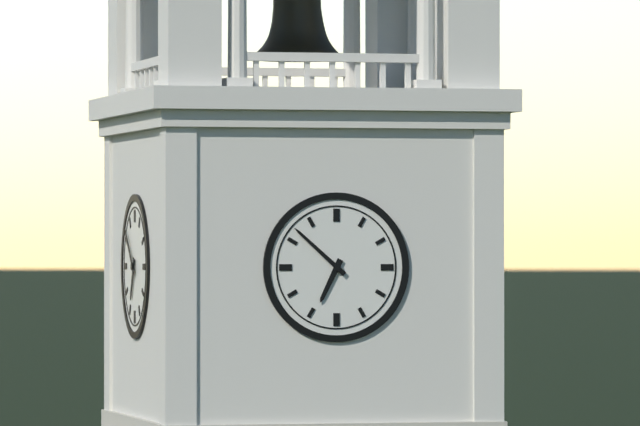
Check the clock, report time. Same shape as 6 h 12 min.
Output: 6 h 52 min
